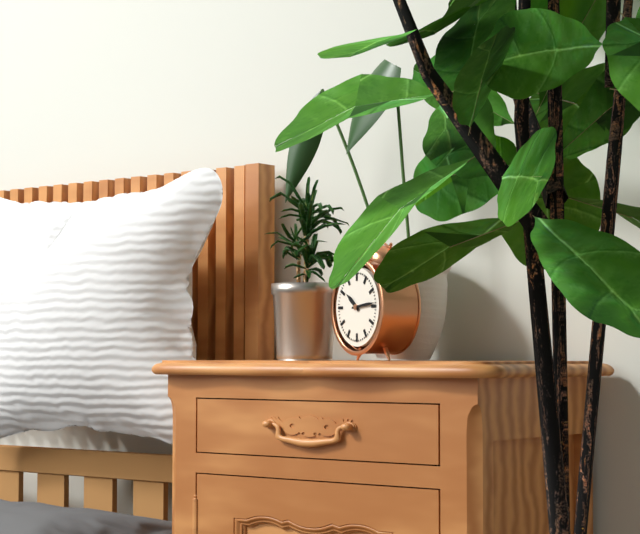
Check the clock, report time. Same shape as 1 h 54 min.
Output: 10 h 14 min
